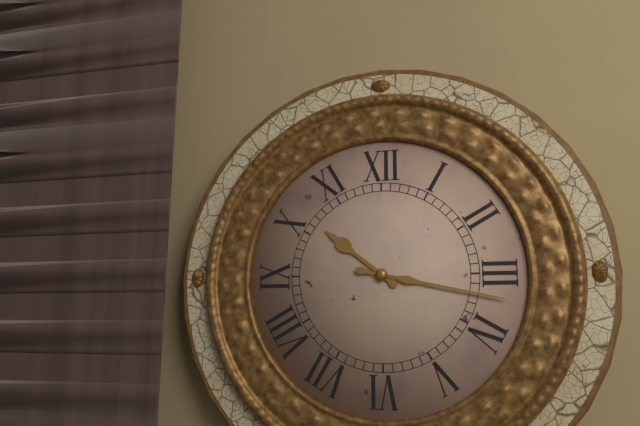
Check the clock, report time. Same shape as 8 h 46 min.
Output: 10 h 17 min
